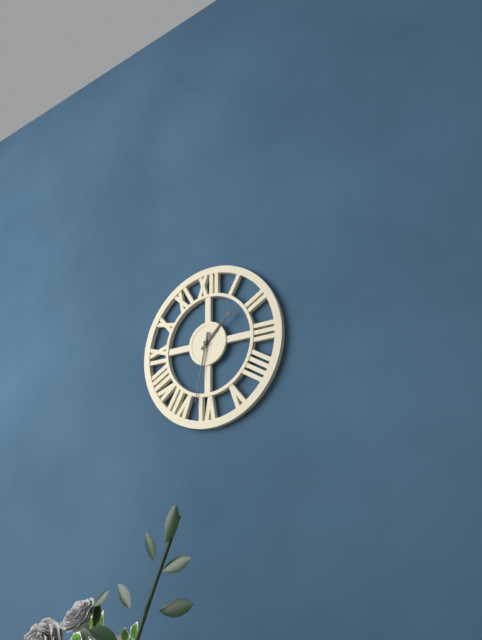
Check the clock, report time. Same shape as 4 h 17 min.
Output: 1 h 32 min
